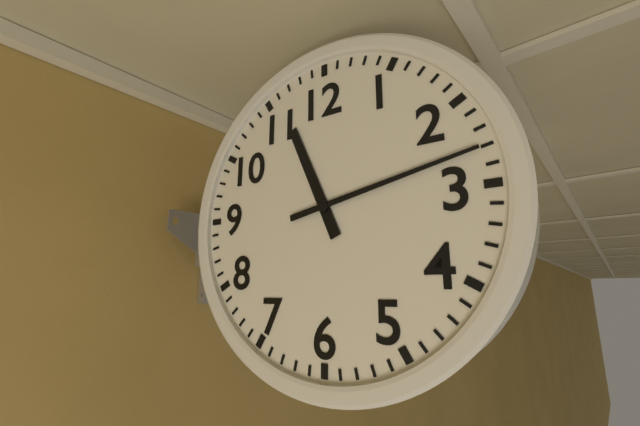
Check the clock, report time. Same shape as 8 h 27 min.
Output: 11 h 13 min
